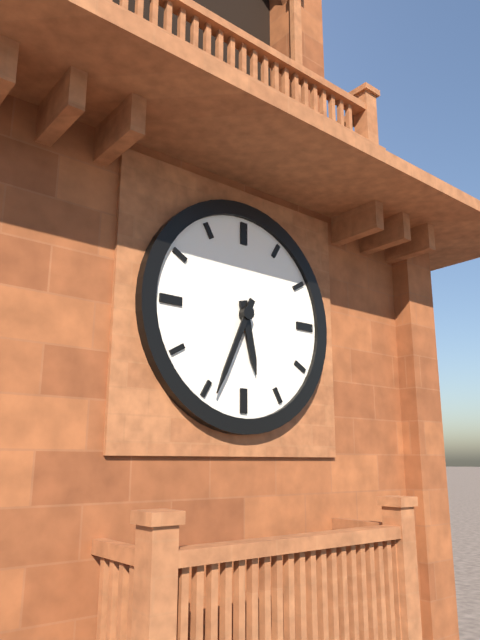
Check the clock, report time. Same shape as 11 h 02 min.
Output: 5 h 34 min
